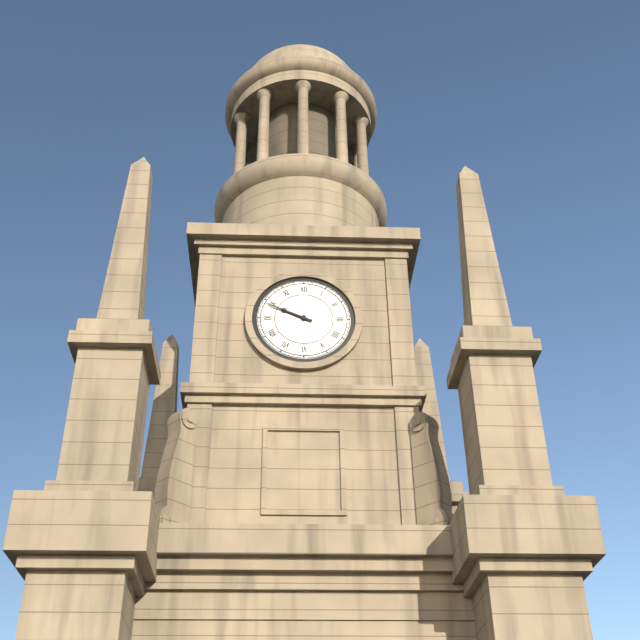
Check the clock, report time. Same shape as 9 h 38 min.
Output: 9 h 49 min
